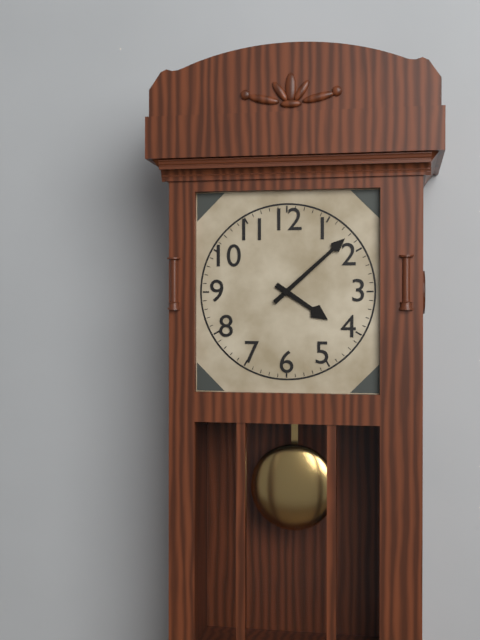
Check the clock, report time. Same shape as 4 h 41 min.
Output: 4 h 08 min
